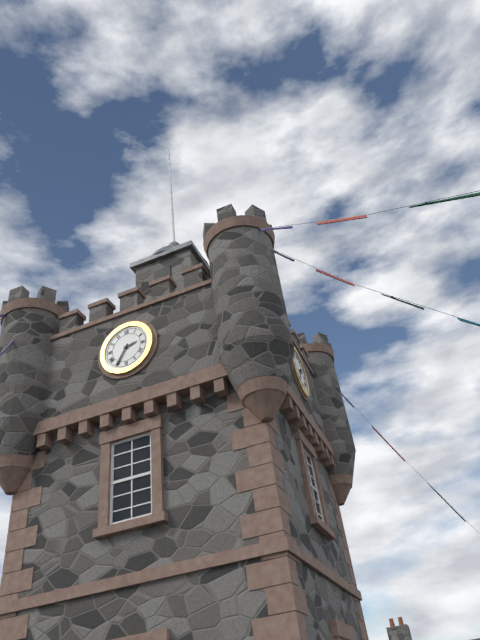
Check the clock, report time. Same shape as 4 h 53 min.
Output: 2 h 35 min
